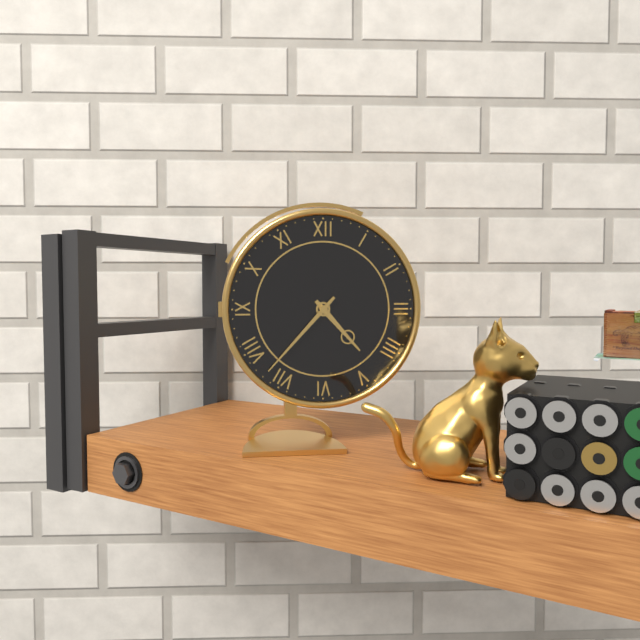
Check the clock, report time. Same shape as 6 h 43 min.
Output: 4 h 37 min
